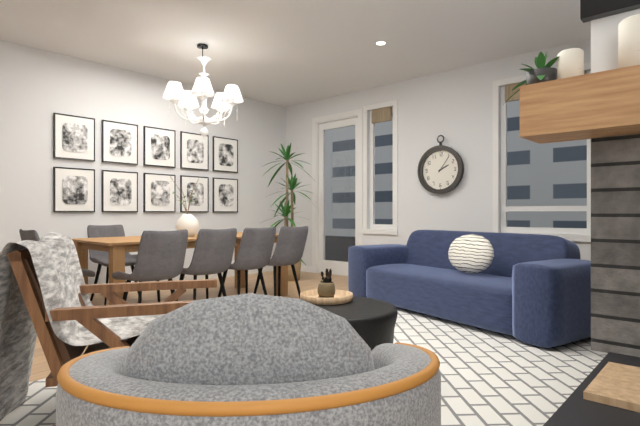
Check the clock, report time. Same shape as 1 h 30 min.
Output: 2 h 06 min
